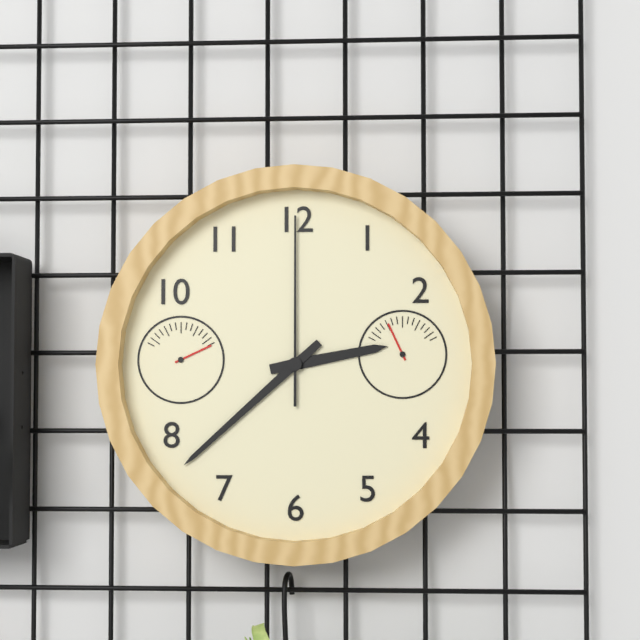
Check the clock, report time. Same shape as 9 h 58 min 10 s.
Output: 2 h 38 min 00 s
